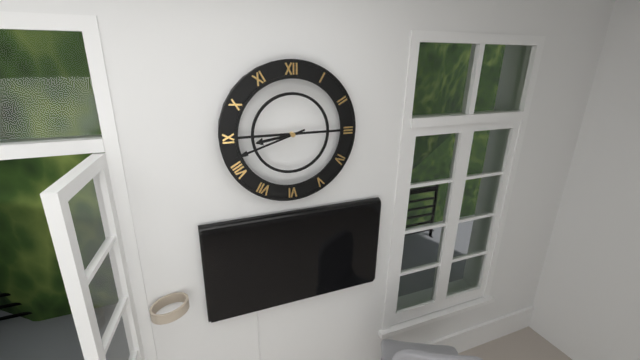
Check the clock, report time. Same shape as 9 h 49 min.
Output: 8 h 42 min
